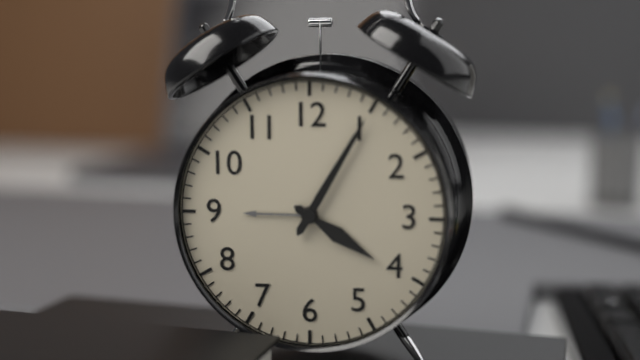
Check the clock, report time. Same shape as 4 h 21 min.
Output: 4 h 05 min
